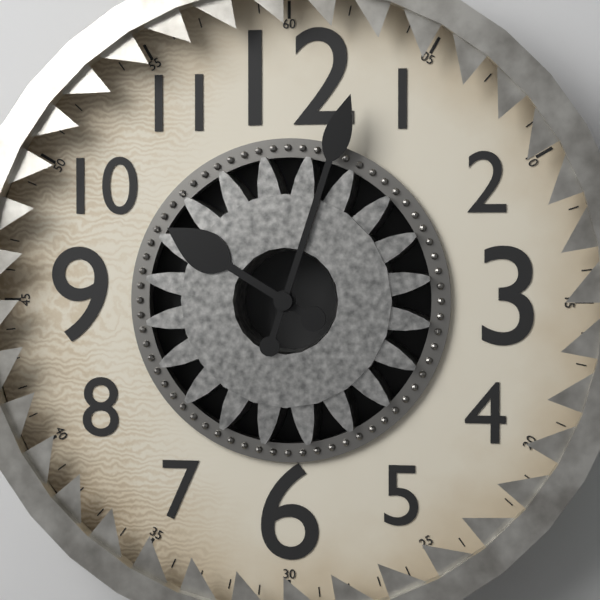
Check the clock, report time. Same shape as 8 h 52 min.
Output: 10 h 03 min
